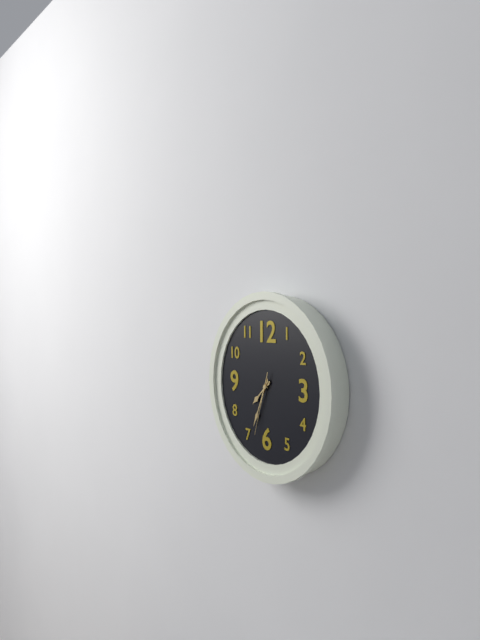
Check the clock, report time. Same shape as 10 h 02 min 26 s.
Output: 7 h 34 min 33 s
